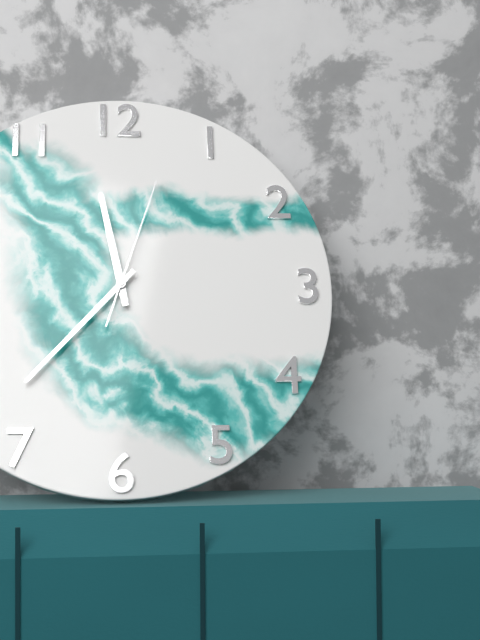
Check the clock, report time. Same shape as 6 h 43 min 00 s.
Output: 11 h 37 min 03 s
